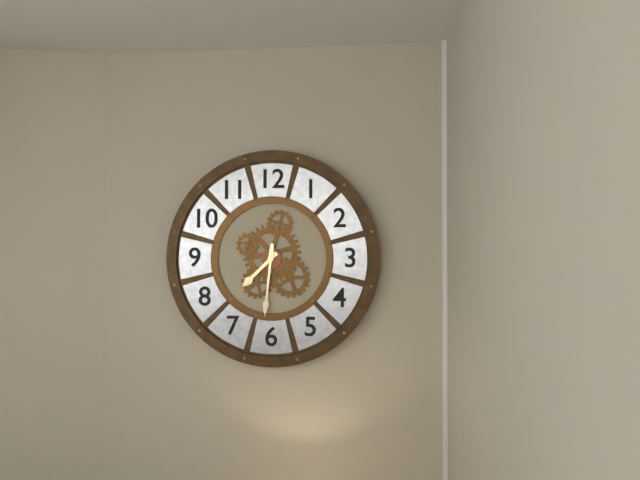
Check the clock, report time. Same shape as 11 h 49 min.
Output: 7 h 31 min
